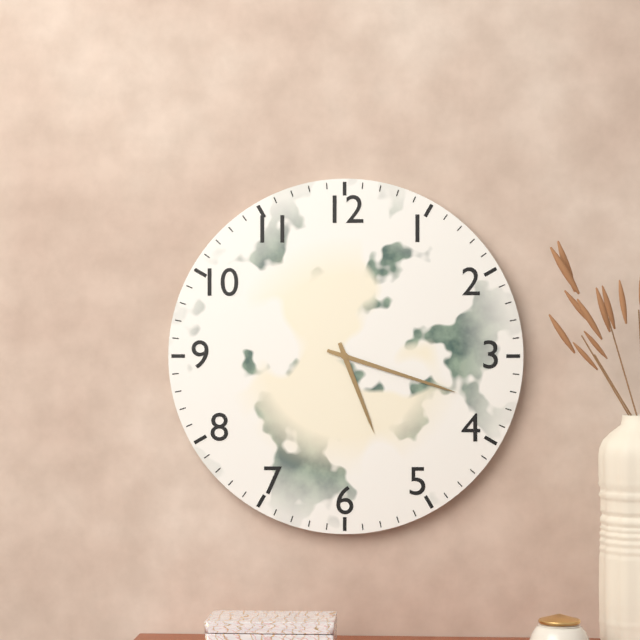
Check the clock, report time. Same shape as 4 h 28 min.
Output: 5 h 18 min
